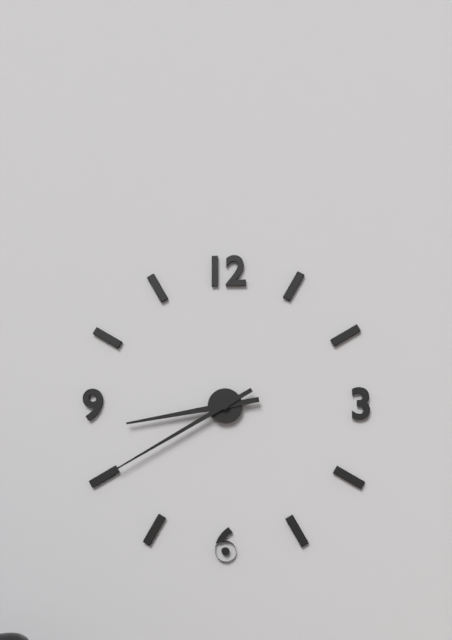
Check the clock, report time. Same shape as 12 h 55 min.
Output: 8 h 40 min
